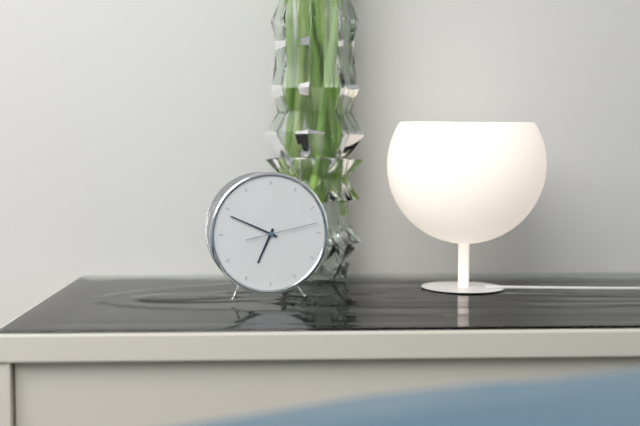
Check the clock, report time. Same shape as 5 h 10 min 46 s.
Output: 6 h 49 min 13 s
